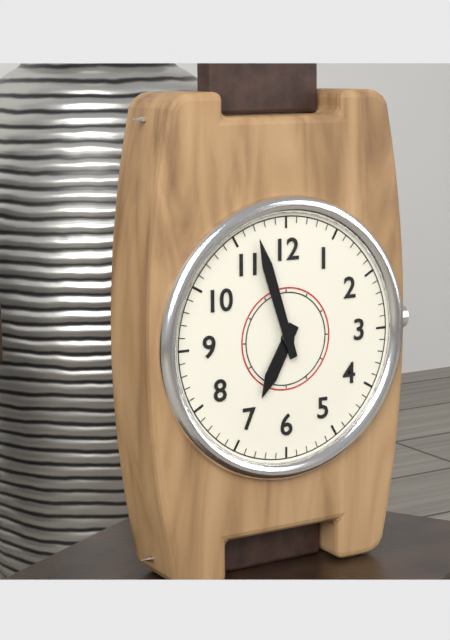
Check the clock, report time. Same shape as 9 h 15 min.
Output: 6 h 57 min
